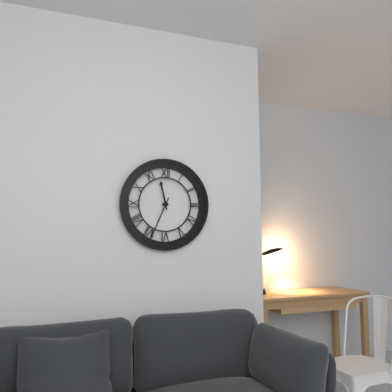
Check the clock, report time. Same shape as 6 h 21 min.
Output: 11 h 34 min
